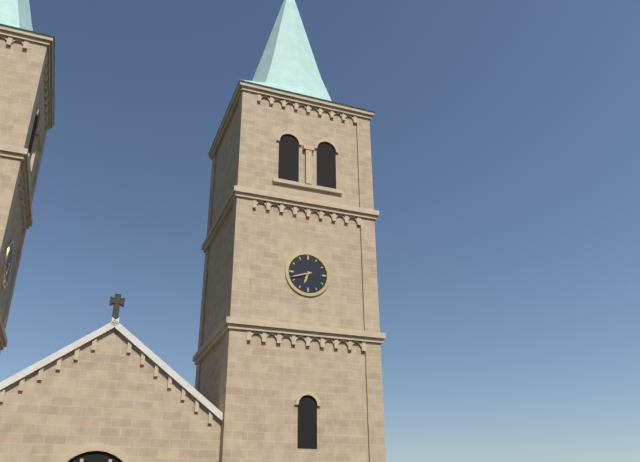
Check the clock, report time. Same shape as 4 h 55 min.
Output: 6 h 42 min
